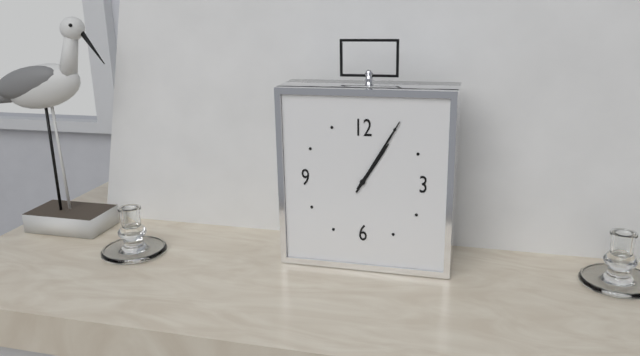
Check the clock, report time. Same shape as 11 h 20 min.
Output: 1 h 05 min
